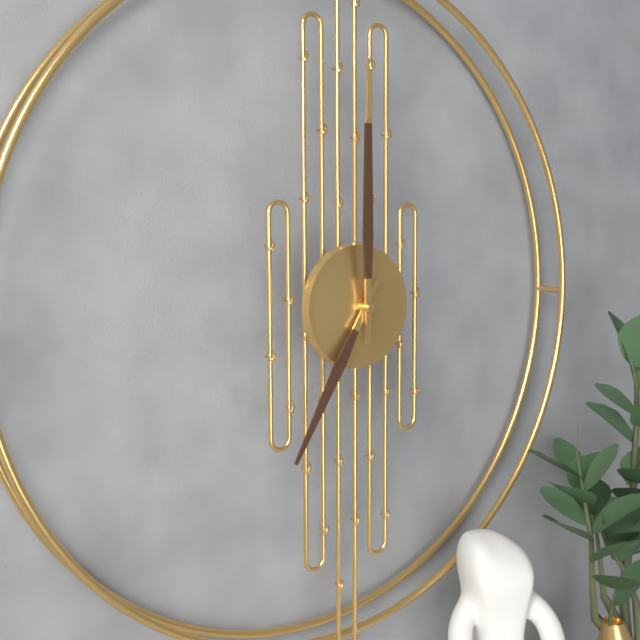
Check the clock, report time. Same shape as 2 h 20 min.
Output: 7 h 00 min
